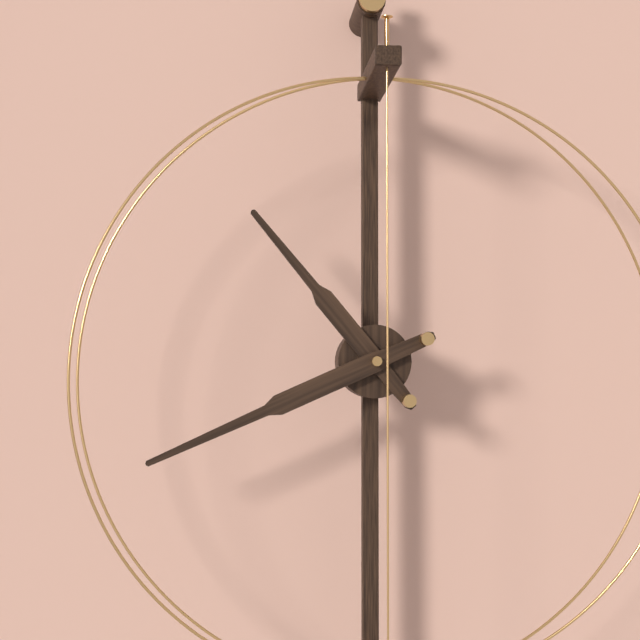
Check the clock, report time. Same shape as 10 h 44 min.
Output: 10 h 41 min
